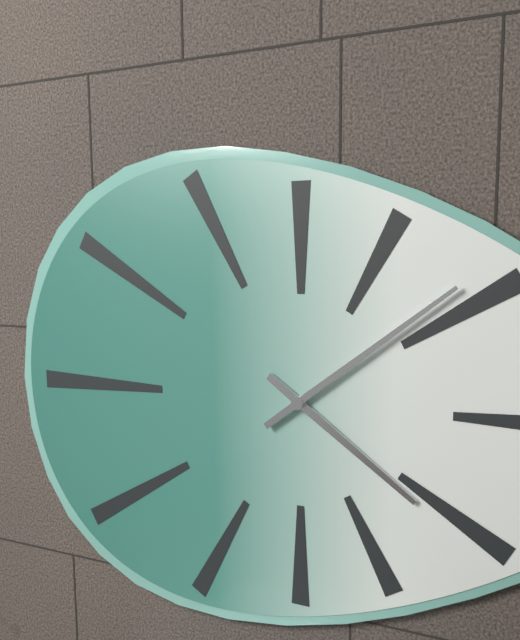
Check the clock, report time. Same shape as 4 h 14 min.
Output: 4 h 09 min
